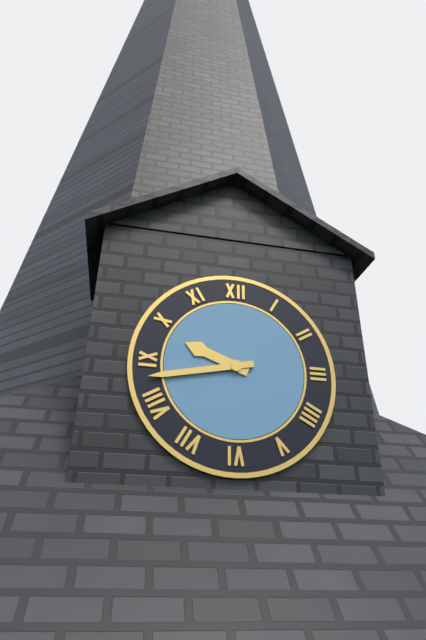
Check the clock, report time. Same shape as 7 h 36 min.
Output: 9 h 43 min
